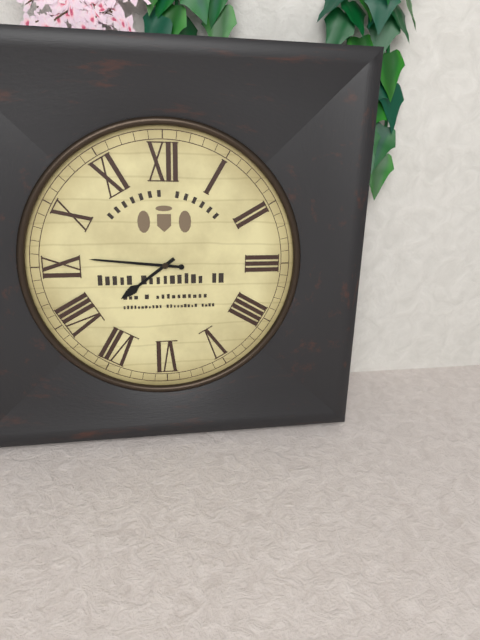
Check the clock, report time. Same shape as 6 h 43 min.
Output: 7 h 46 min
